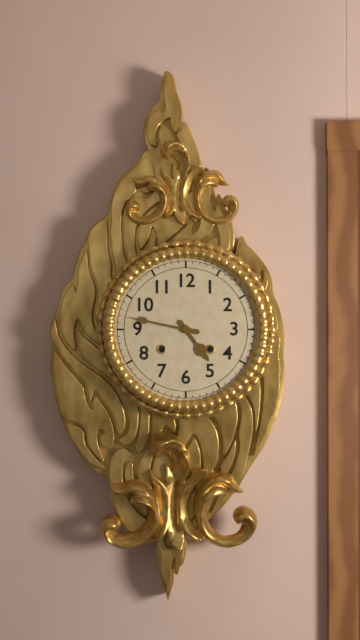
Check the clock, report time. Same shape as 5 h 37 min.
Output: 4 h 47 min
